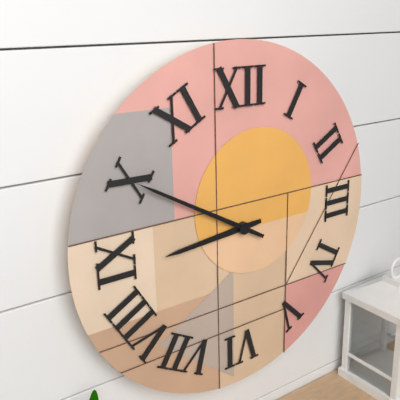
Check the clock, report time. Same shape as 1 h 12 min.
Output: 8 h 50 min
